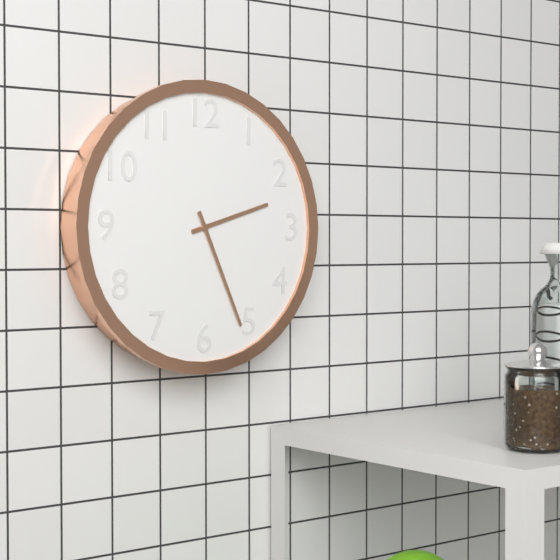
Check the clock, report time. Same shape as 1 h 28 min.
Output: 2 h 26 min
